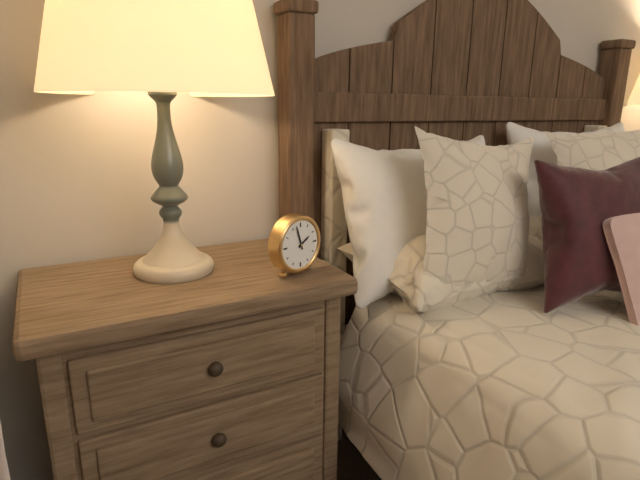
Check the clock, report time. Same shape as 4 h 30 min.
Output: 1 h 57 min
